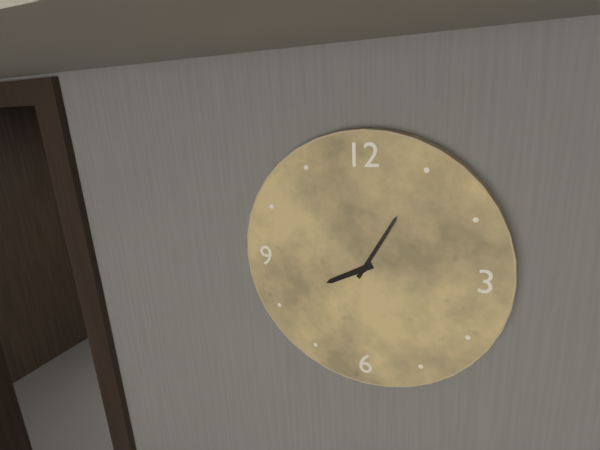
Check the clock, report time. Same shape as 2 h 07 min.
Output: 8 h 05 min
